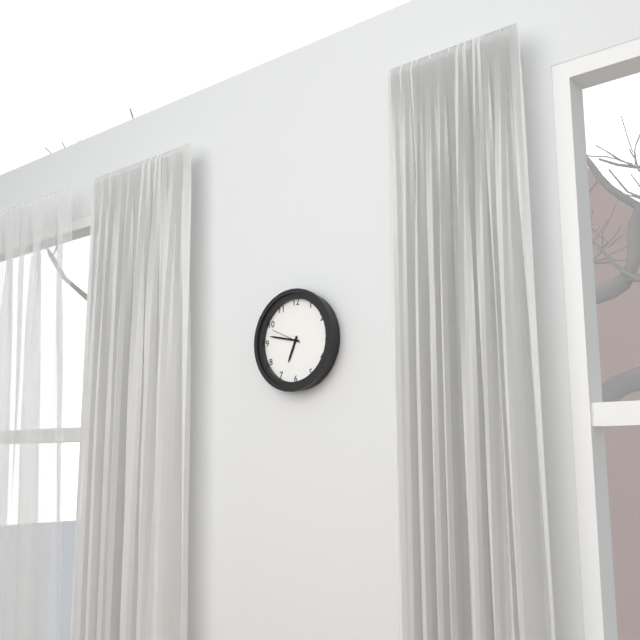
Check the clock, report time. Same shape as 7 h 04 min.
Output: 6 h 47 min
